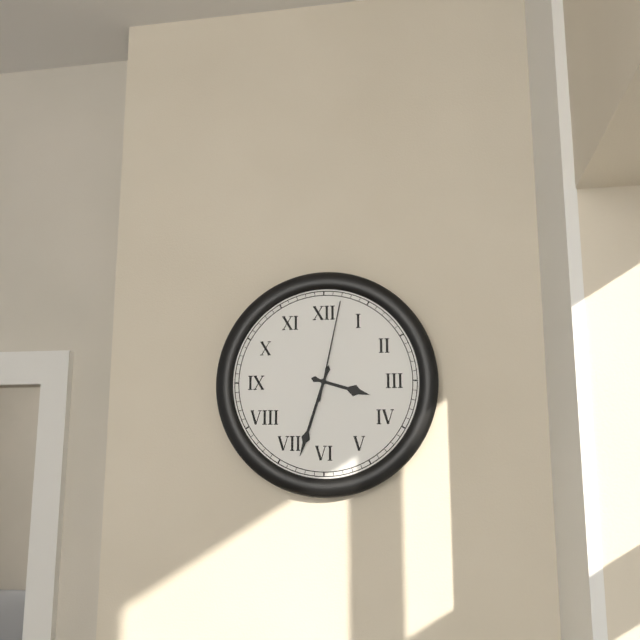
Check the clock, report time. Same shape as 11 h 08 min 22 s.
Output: 3 h 33 min 02 s
